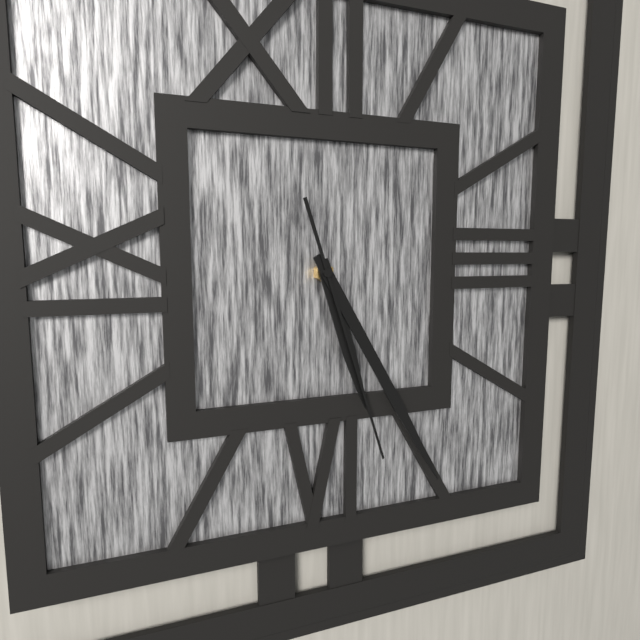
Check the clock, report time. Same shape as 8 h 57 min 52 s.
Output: 5 h 25 min 27 s
